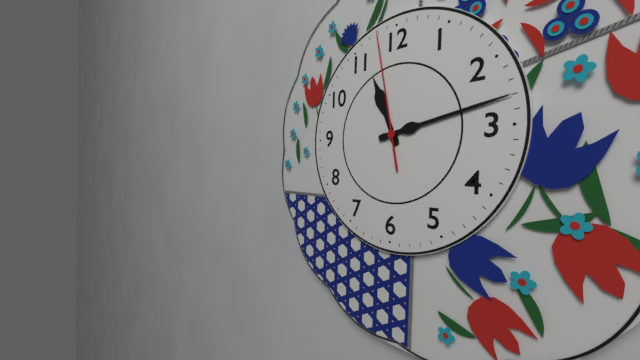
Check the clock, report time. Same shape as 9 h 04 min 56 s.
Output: 11 h 13 min 58 s
